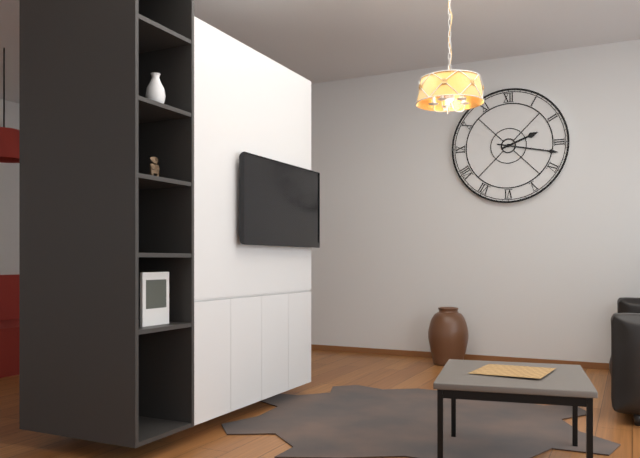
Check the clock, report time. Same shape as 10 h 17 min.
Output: 2 h 17 min
